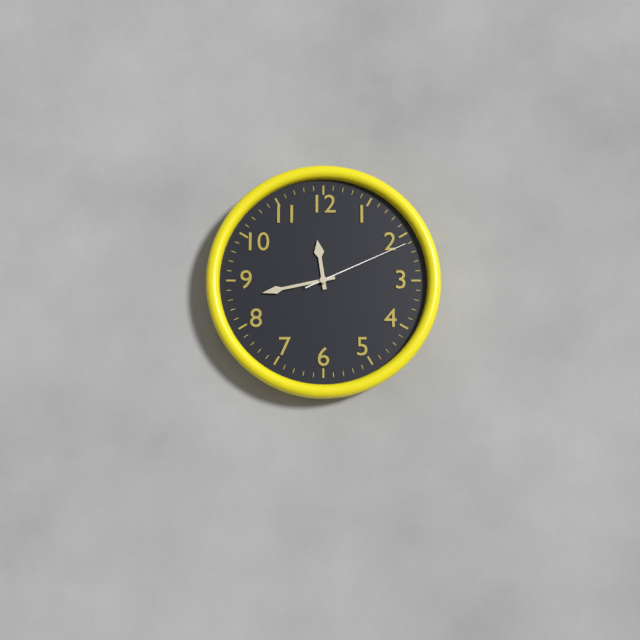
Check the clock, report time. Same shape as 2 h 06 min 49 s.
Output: 11 h 43 min 11 s
